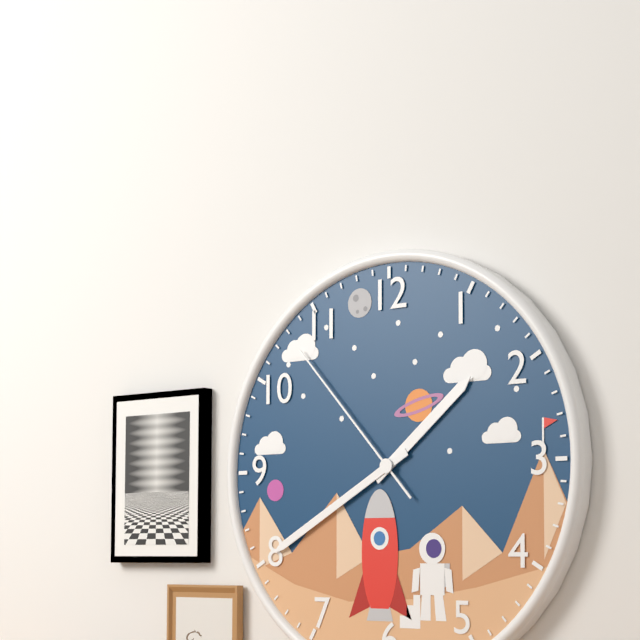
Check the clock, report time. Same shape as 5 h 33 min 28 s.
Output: 1 h 40 min 53 s
